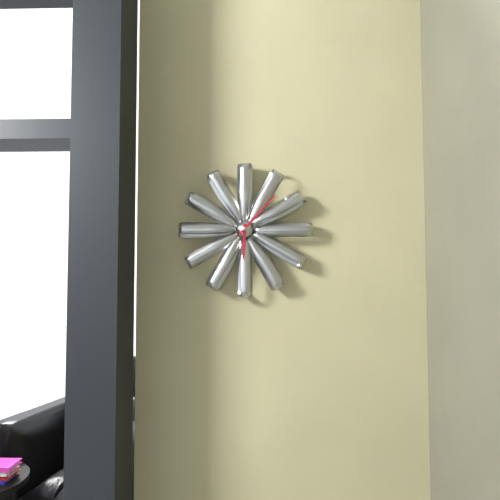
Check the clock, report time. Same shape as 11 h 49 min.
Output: 6 h 07 min
